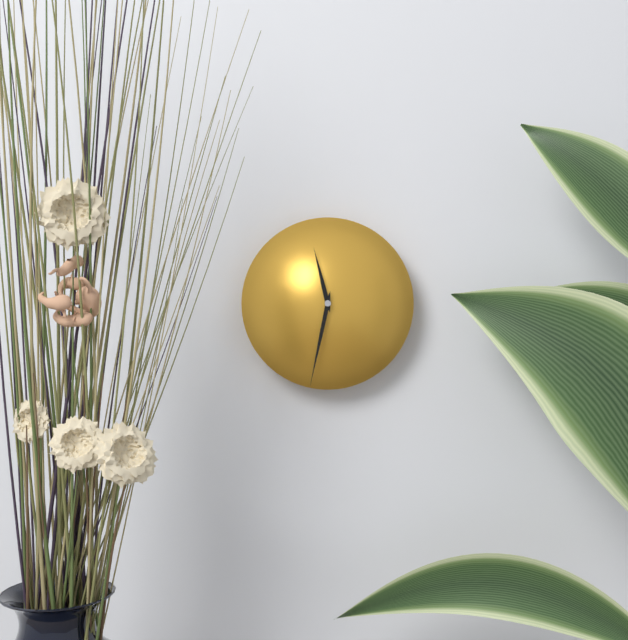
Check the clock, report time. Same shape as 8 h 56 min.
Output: 11 h 32 min
